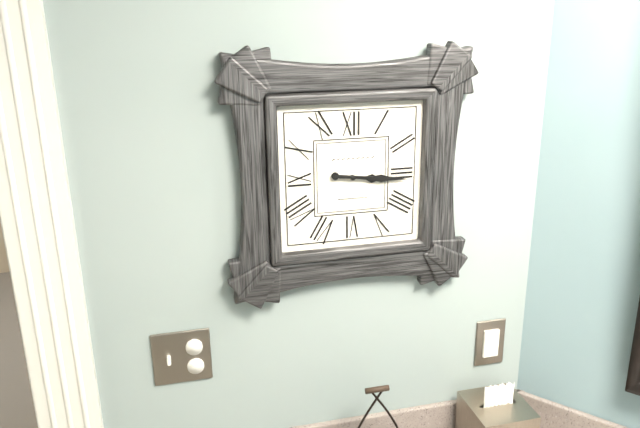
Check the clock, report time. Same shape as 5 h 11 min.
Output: 3 h 16 min
